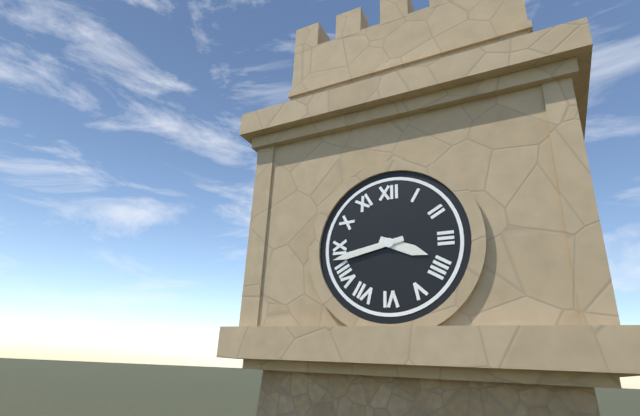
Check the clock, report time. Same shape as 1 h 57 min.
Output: 3 h 43 min
